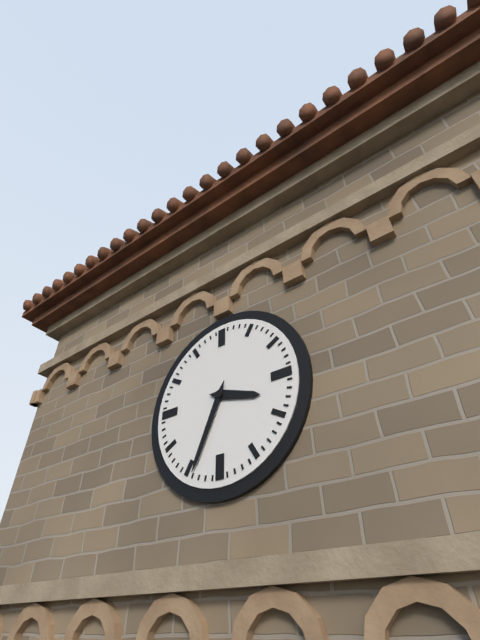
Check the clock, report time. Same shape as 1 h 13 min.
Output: 3 h 34 min
